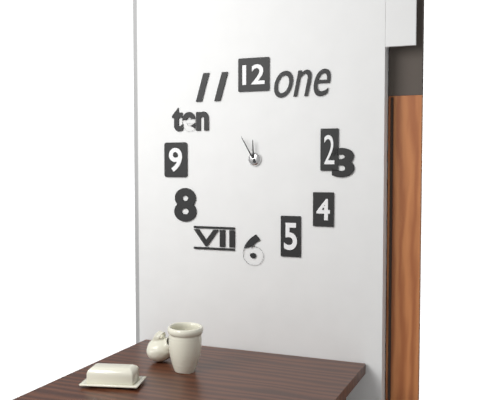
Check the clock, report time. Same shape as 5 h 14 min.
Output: 11 h 55 min
